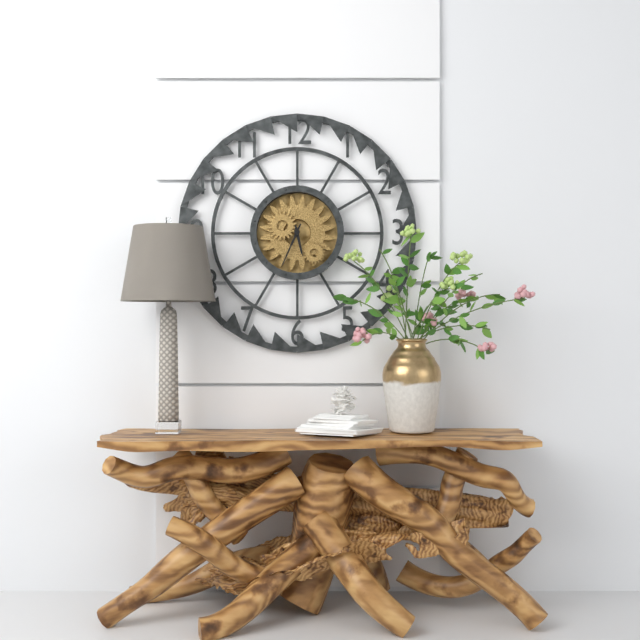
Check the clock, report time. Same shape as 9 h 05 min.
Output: 5 h 34 min
